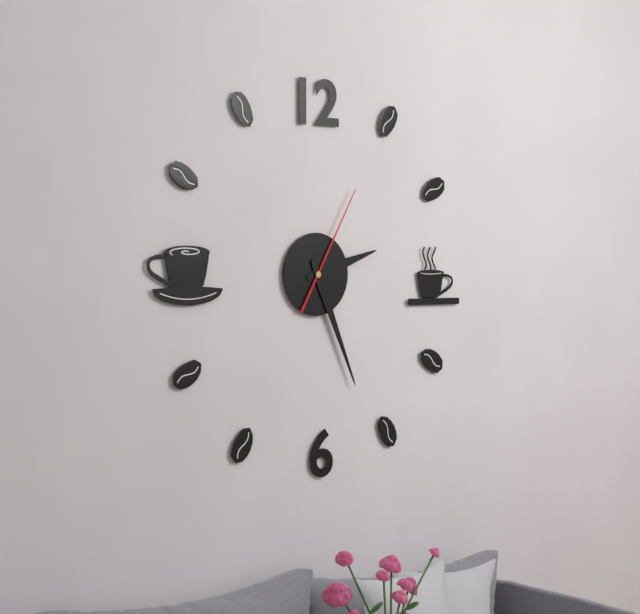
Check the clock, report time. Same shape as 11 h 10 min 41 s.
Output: 2 h 26 min 05 s
